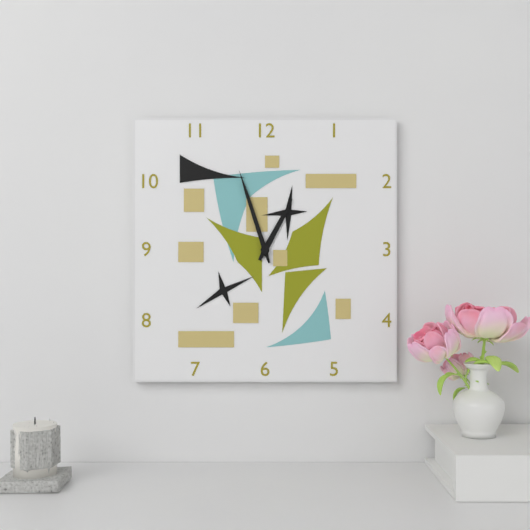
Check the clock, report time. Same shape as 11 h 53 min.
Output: 12 h 57 min
